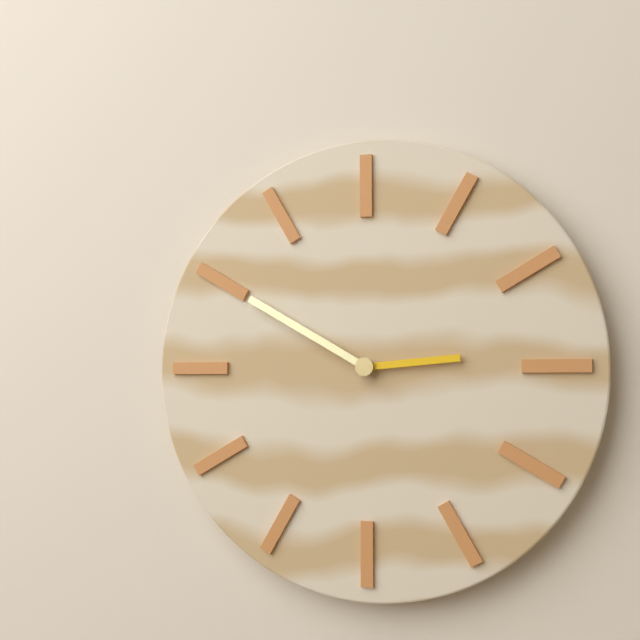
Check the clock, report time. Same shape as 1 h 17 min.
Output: 2 h 50 min
